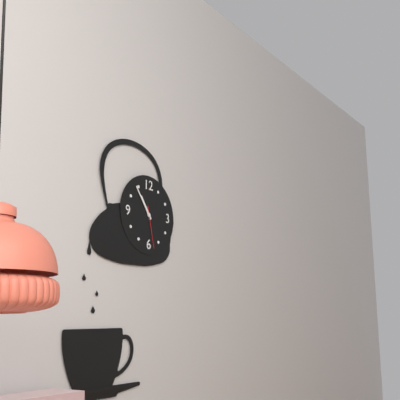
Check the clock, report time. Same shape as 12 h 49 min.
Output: 10 h 54 min
